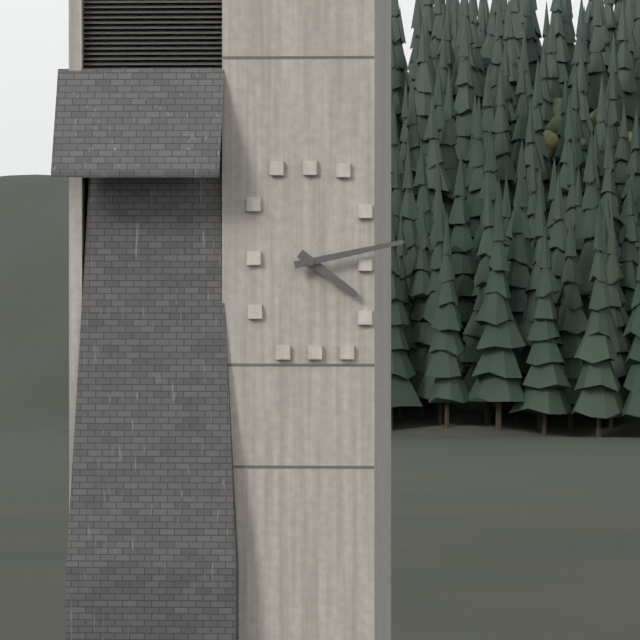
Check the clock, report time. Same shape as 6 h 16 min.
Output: 4 h 13 min
